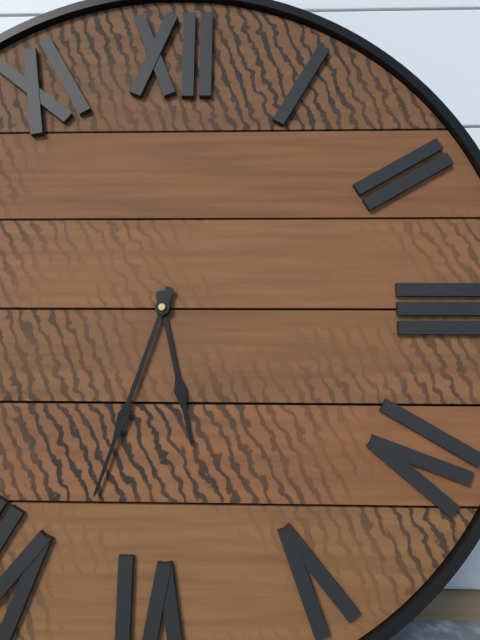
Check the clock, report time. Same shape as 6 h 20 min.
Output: 5 h 33 min
